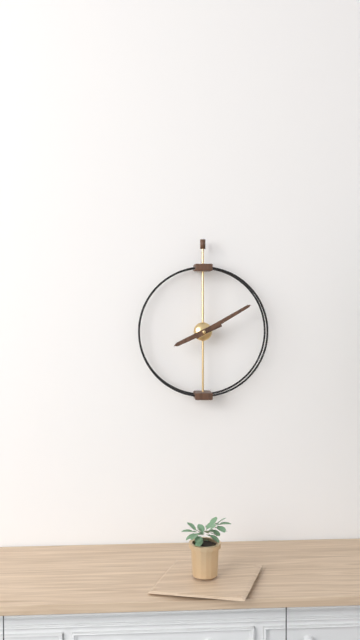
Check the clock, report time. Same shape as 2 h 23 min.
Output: 8 h 10 min
